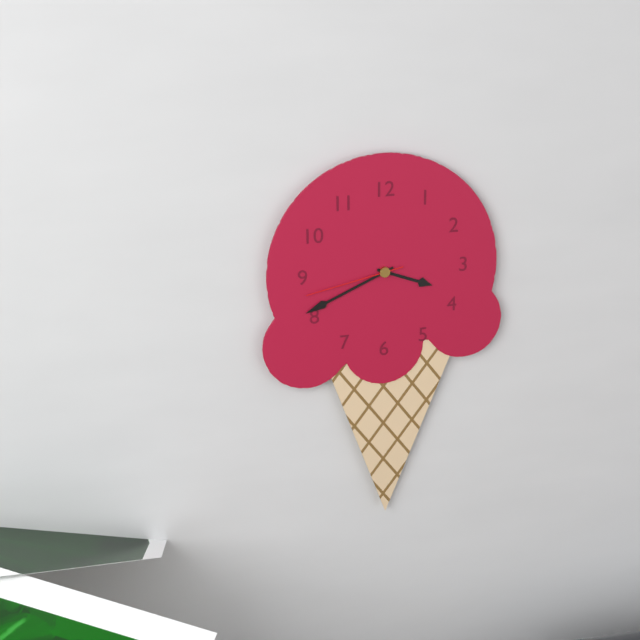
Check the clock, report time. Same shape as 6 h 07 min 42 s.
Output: 3 h 41 min 43 s
